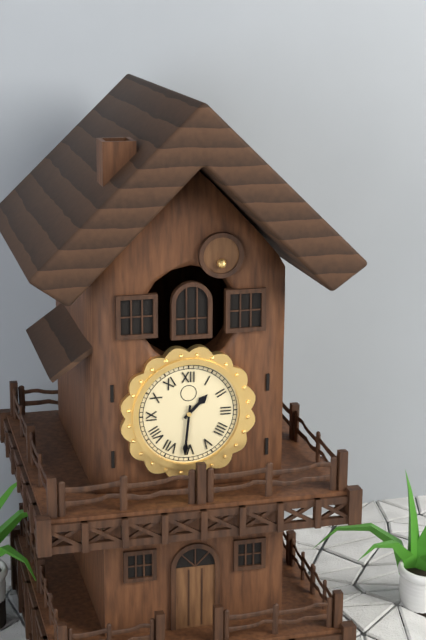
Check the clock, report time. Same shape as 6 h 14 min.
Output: 1 h 31 min
